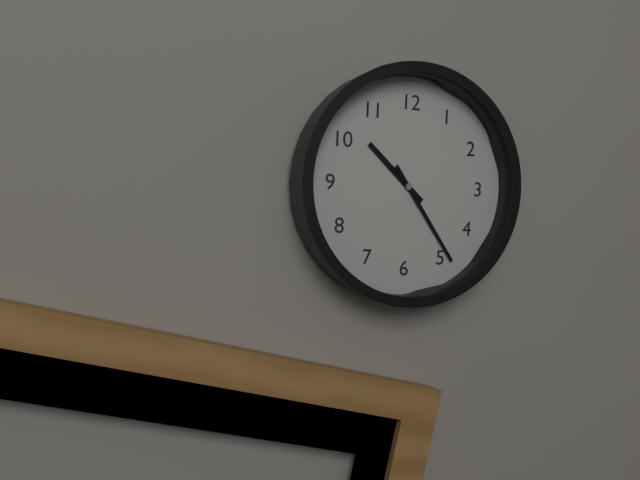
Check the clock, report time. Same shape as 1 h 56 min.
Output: 10 h 24 min
